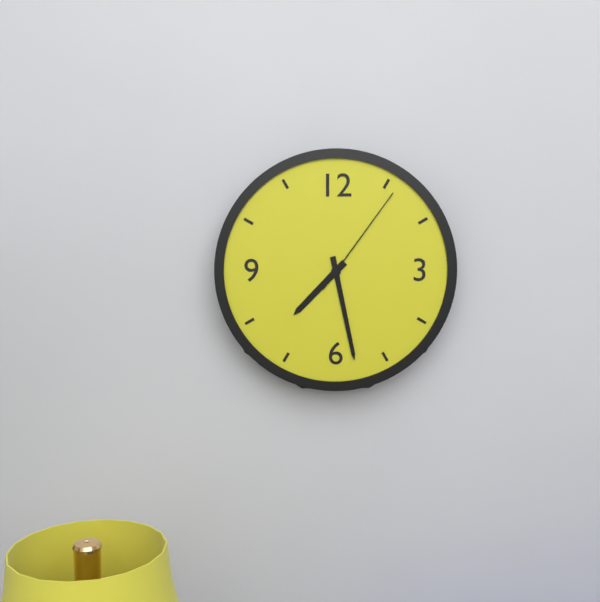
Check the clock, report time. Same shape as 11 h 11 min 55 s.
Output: 7 h 28 min 06 s
